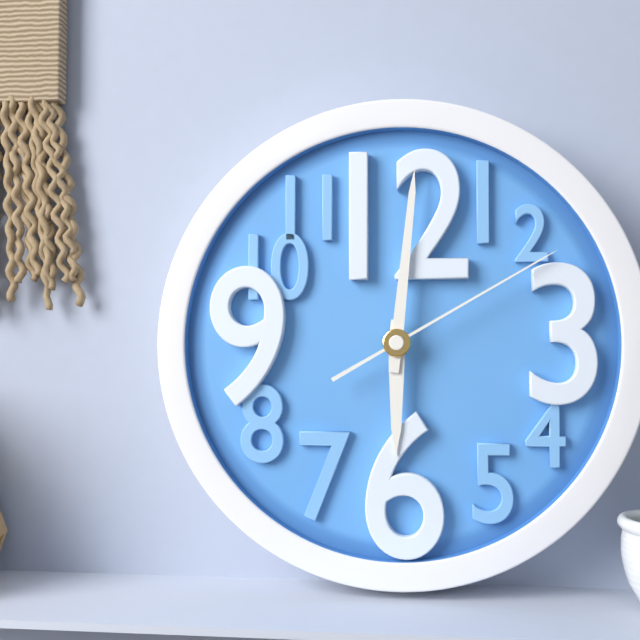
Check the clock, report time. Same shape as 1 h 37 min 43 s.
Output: 6 h 01 min 10 s
